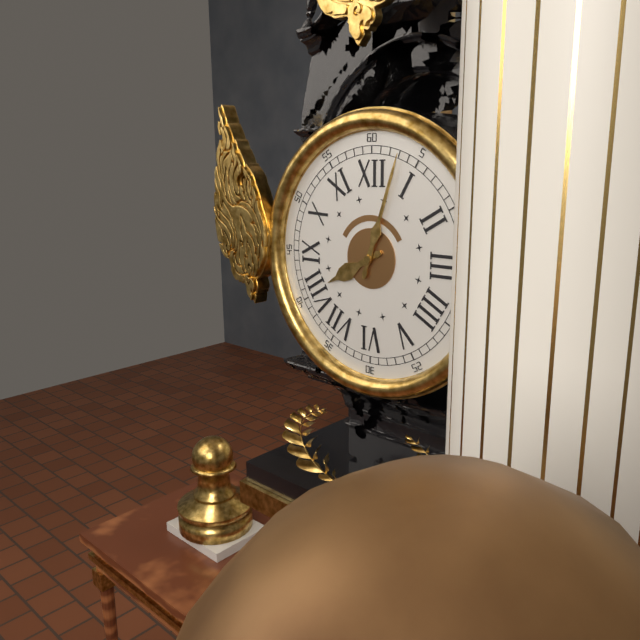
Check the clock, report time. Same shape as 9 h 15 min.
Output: 8 h 03 min
